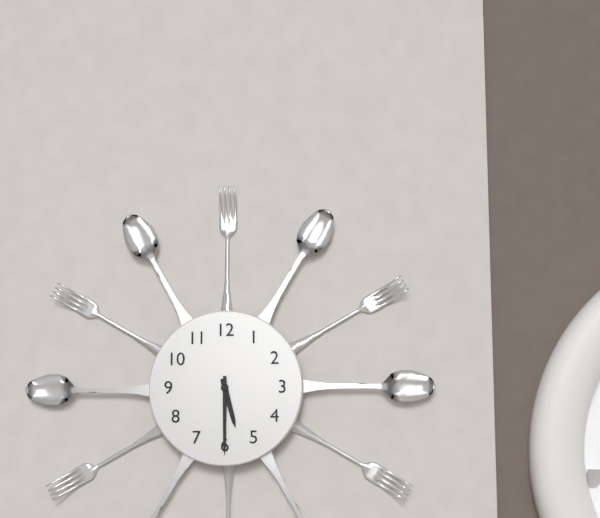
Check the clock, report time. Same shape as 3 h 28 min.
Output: 5 h 30 min
